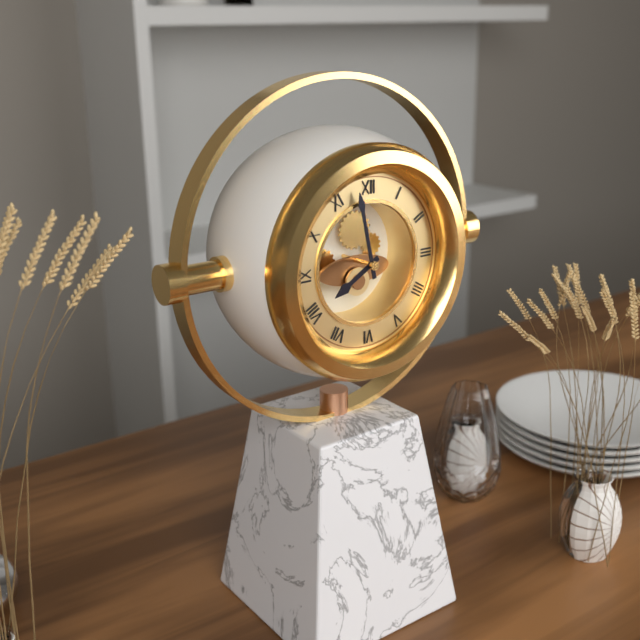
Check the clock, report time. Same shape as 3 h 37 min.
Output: 7 h 58 min
